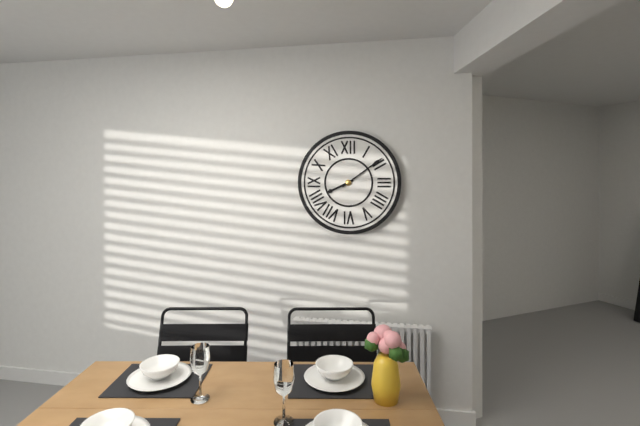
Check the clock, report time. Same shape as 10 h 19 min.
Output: 8 h 09 min
